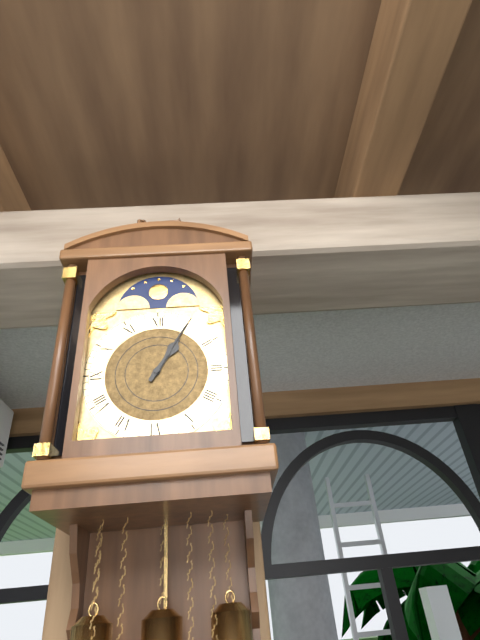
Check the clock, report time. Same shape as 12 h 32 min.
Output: 1 h 05 min
